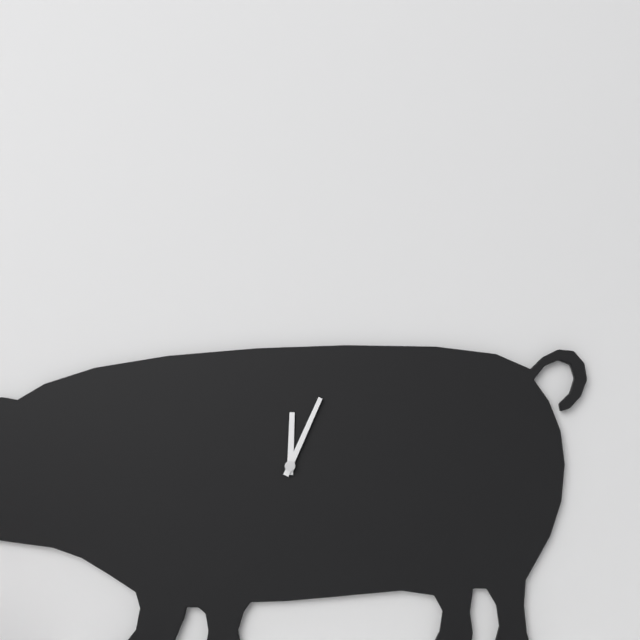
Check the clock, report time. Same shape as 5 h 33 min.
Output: 12 h 04 min
